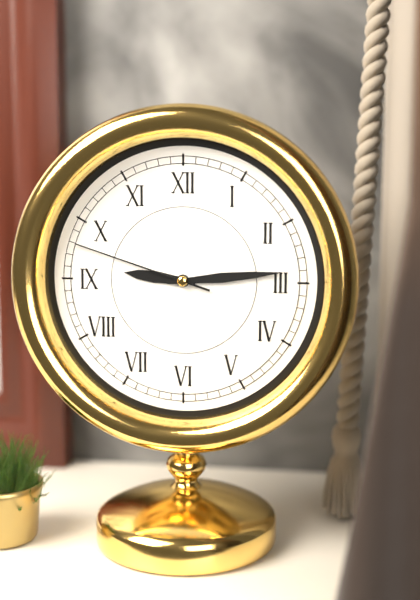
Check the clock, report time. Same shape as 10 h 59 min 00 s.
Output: 9 h 14 min 48 s
